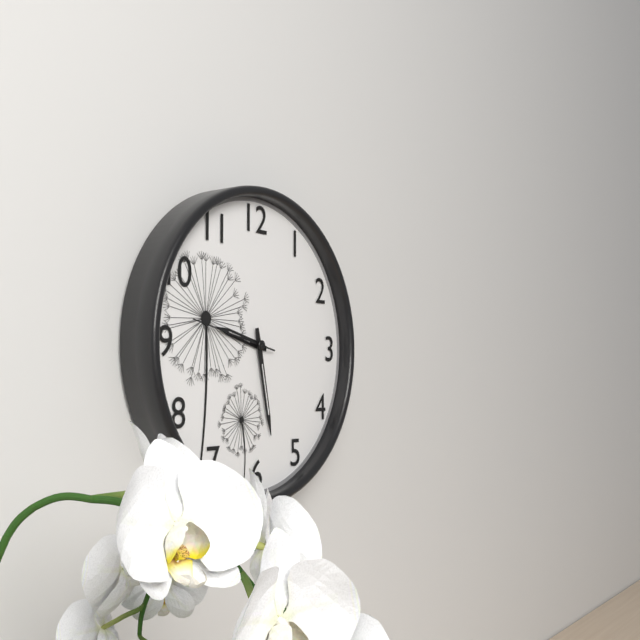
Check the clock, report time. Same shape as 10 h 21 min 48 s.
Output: 9 h 28 min 47 s
